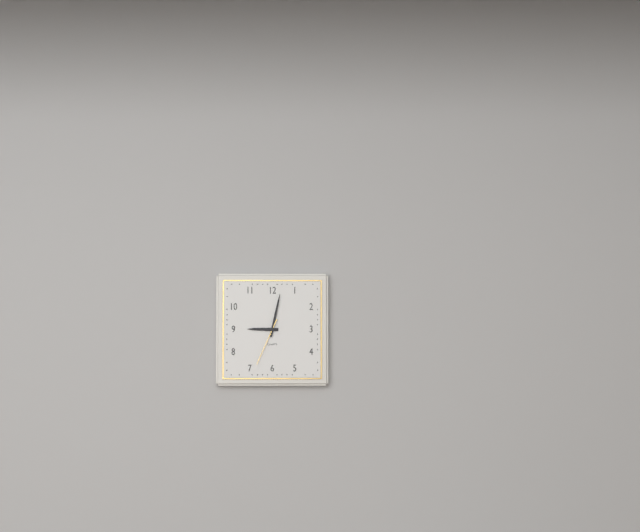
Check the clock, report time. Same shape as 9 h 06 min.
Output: 9 h 02 min
